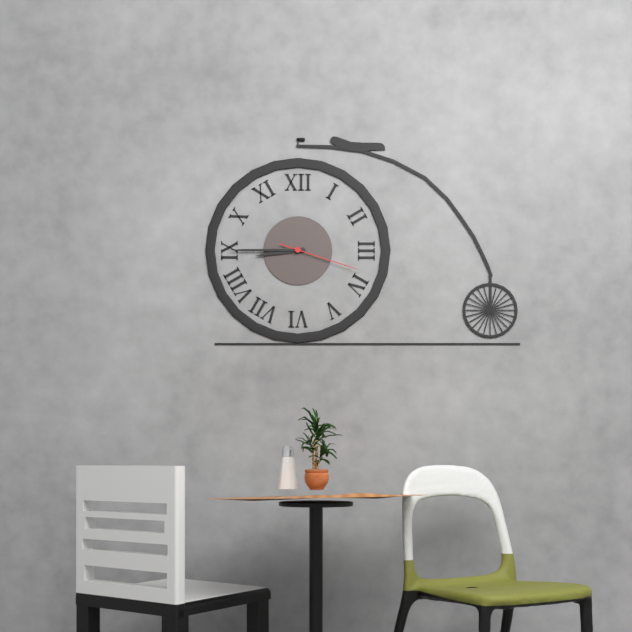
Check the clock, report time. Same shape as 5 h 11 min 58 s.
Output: 8 h 45 min 18 s
